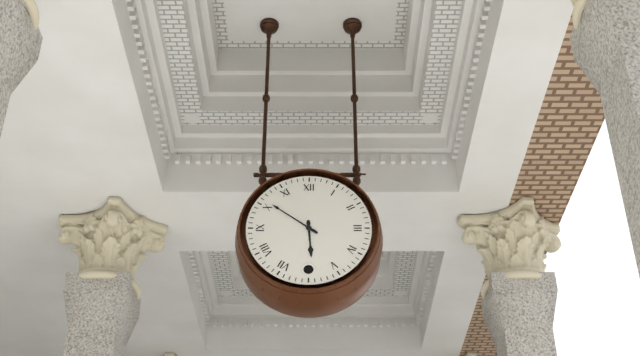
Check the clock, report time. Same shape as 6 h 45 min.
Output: 5 h 51 min
